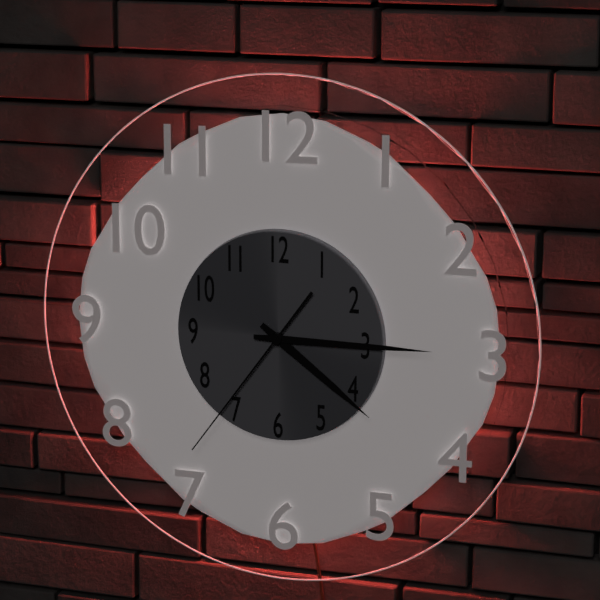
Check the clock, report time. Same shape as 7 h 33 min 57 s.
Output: 4 h 15 min 36 s
